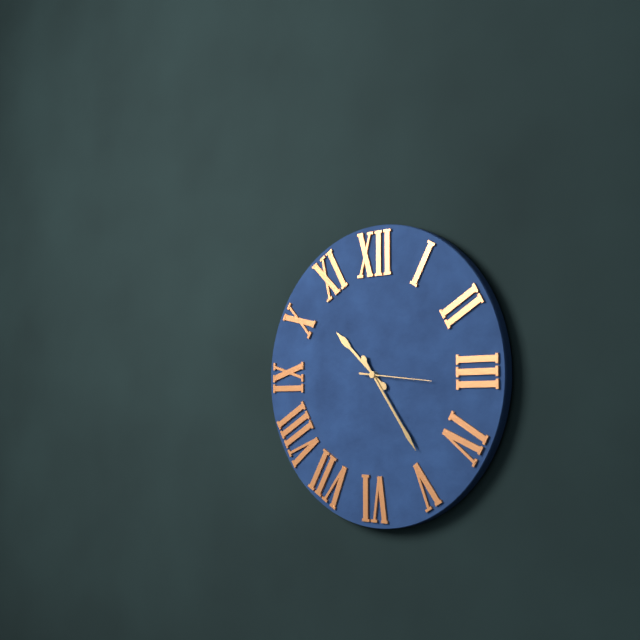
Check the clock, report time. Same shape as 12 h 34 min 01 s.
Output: 10 h 24 min 16 s
